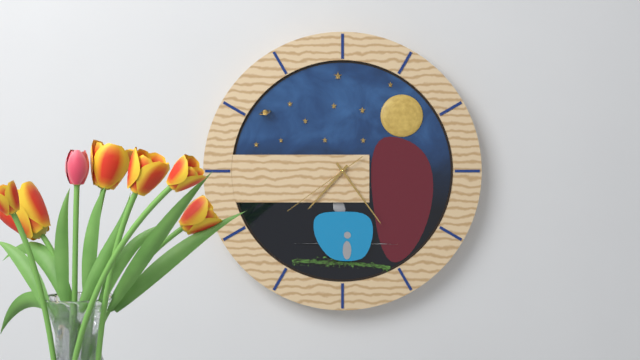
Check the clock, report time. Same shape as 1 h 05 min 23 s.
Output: 7 h 24 min 39 s
